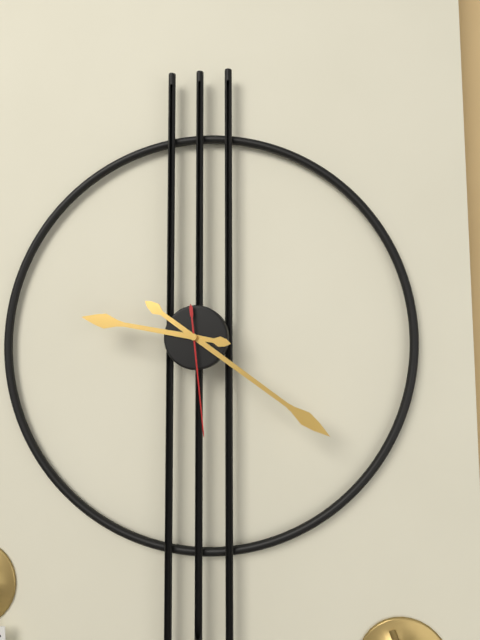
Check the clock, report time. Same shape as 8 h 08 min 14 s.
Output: 9 h 21 min 29 s
